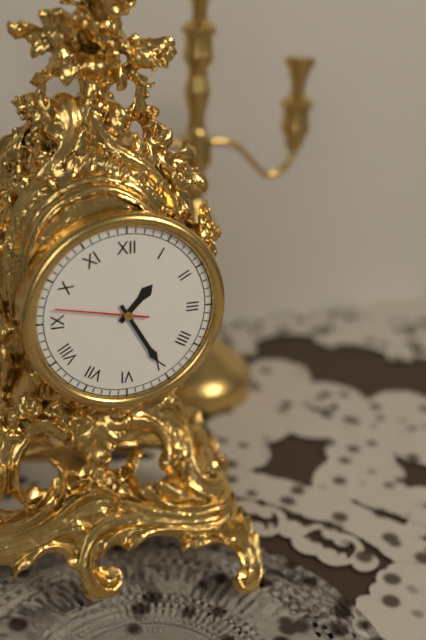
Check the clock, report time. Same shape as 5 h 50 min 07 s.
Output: 1 h 25 min 47 s
